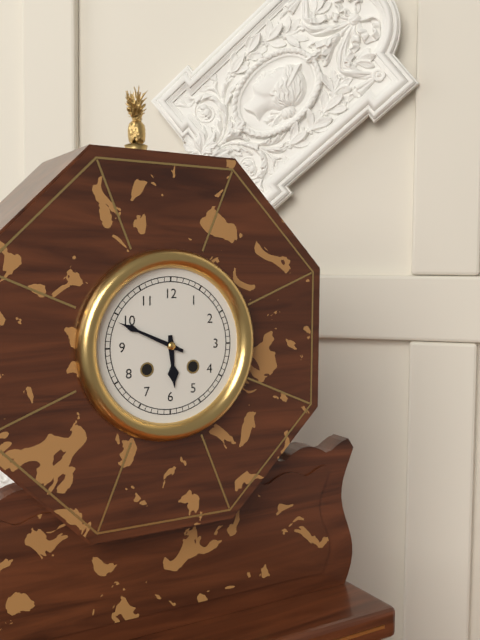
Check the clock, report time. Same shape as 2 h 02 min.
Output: 5 h 49 min
